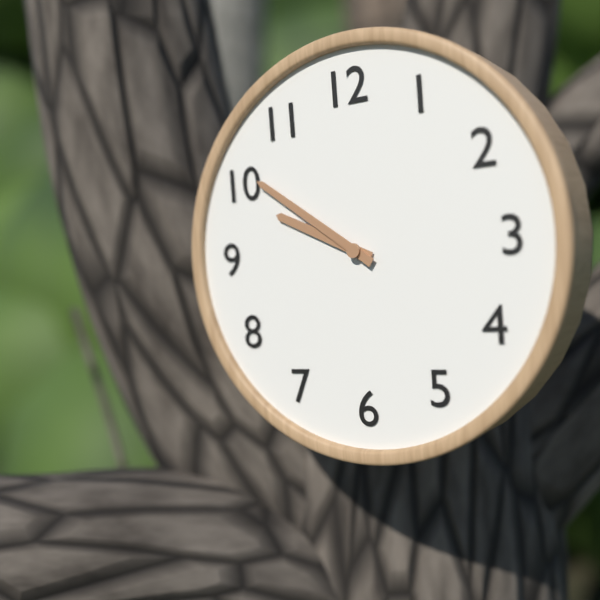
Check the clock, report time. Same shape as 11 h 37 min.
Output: 9 h 51 min
